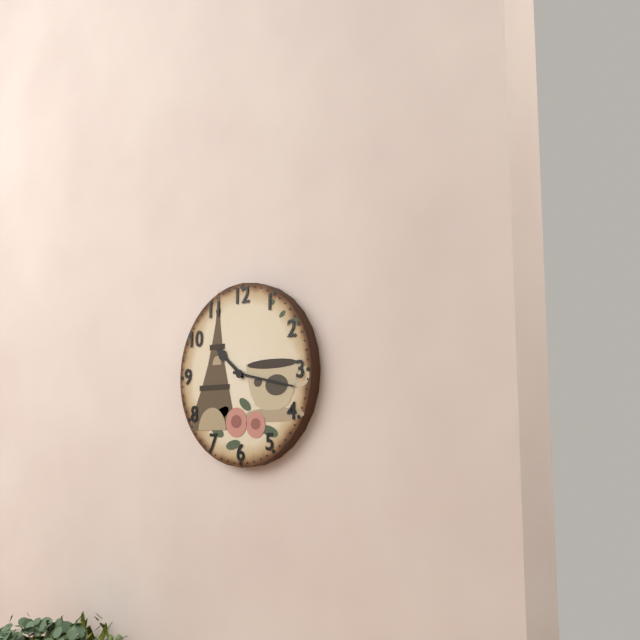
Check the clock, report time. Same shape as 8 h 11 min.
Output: 10 h 17 min
